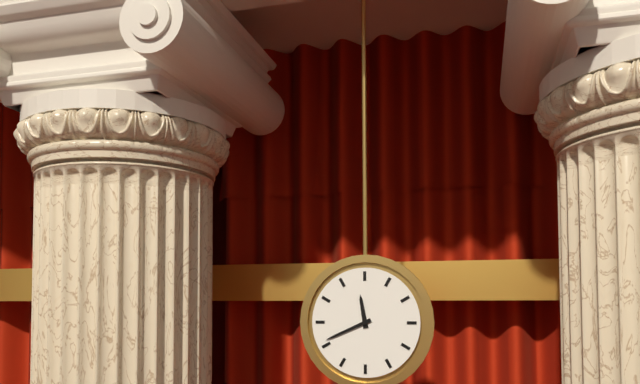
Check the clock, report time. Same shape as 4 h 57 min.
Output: 11 h 41 min
